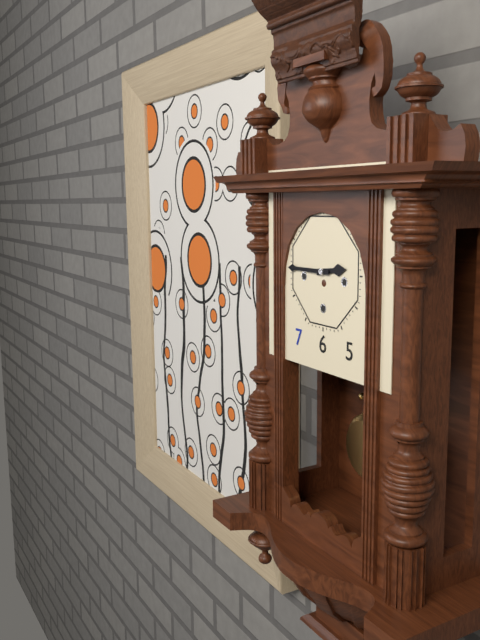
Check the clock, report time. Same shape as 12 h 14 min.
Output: 2 h 45 min
